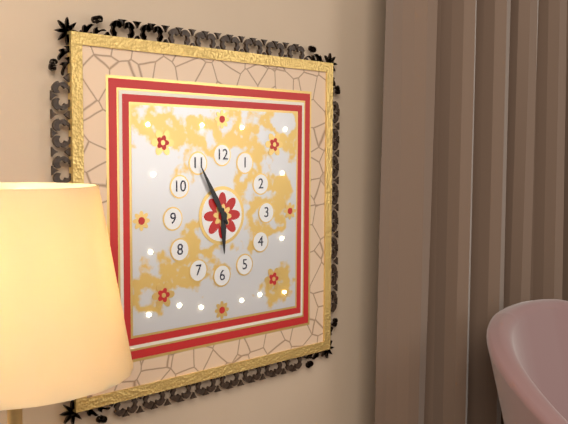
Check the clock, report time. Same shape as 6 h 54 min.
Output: 5 h 55 min
